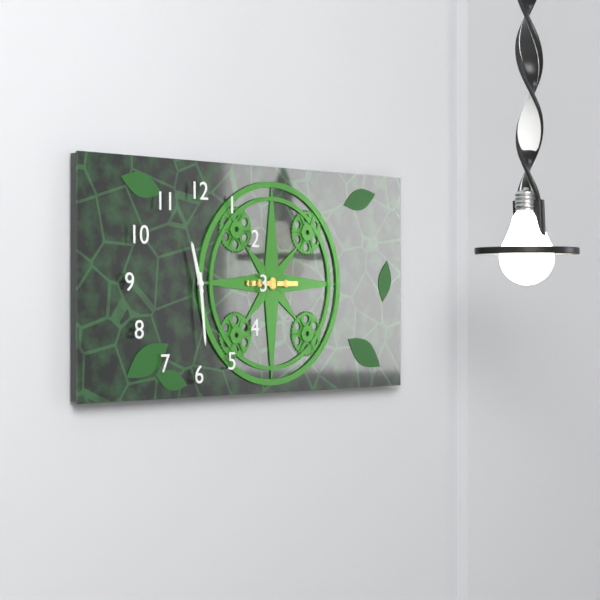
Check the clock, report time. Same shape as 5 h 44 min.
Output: 11 h 29 min
